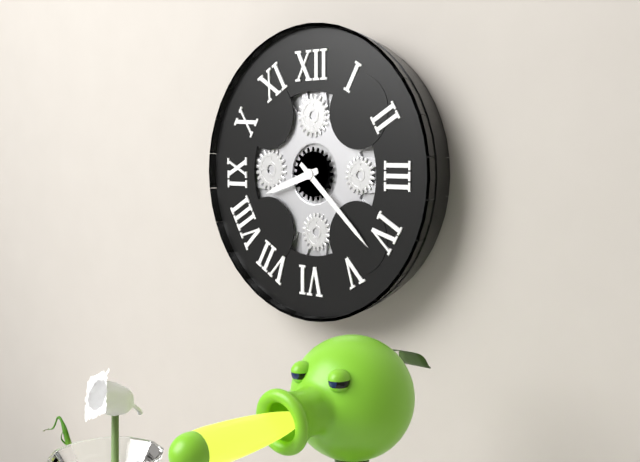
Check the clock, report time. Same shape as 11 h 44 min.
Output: 8 h 22 min
